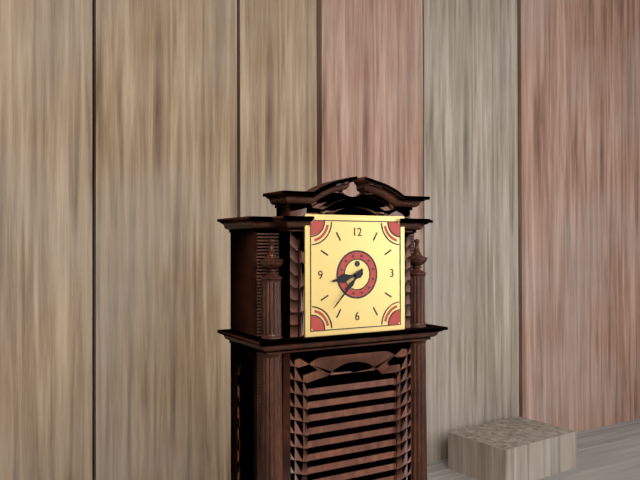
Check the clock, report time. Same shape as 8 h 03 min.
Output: 8 h 37 min
